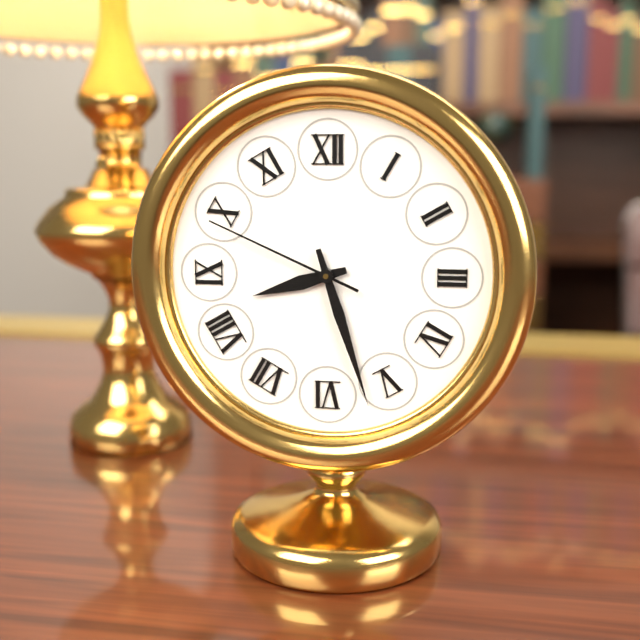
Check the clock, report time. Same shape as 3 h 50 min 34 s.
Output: 8 h 27 min 49 s
